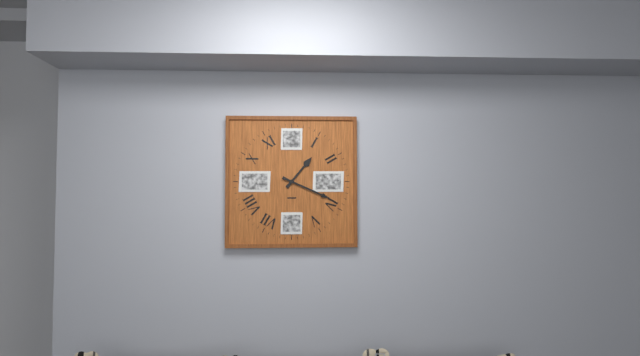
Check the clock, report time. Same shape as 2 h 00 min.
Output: 1 h 19 min
